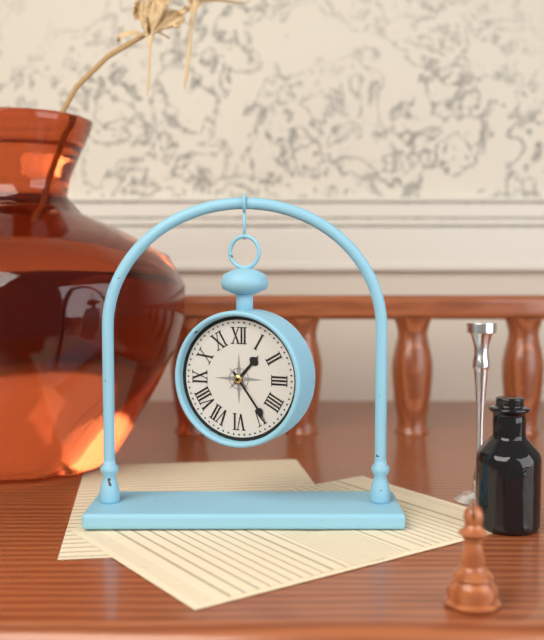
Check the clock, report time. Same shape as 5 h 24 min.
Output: 1 h 24 min
